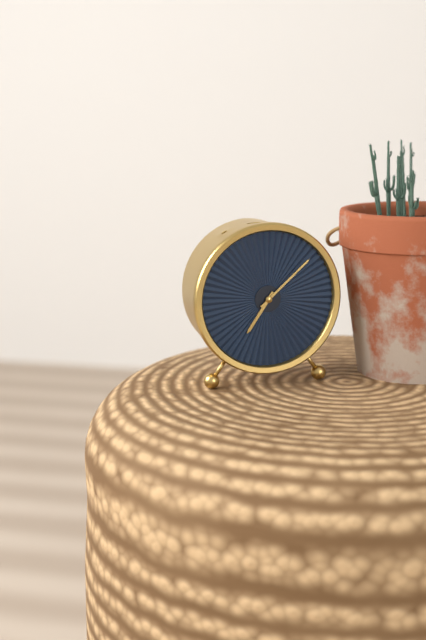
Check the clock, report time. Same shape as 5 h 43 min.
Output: 7 h 08 min
